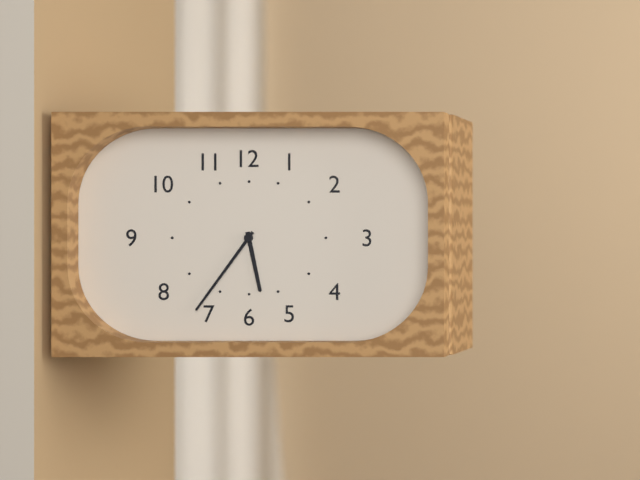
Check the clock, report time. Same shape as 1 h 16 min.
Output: 5 h 36 min
